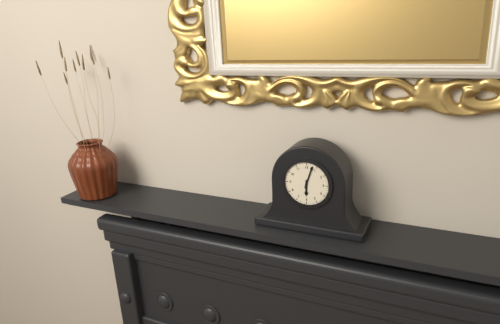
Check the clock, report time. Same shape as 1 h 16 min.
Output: 6 h 03 min
